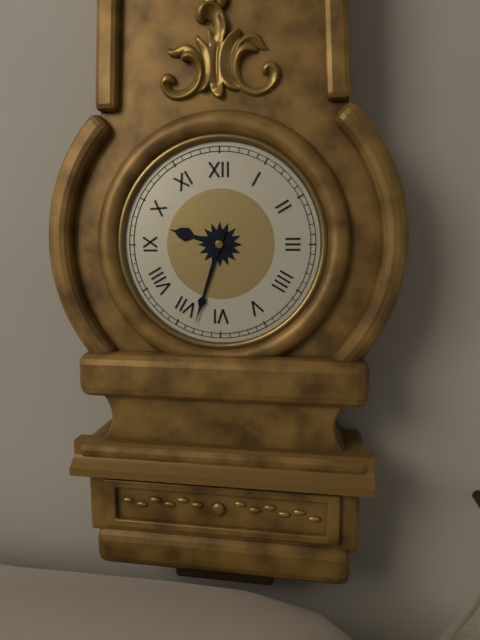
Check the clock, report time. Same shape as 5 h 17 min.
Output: 9 h 33 min
